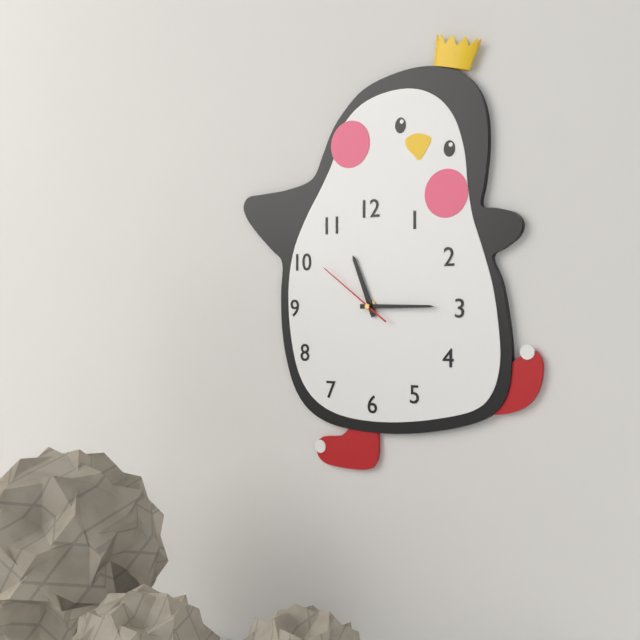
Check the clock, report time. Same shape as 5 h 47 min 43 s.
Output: 11 h 15 min 51 s
